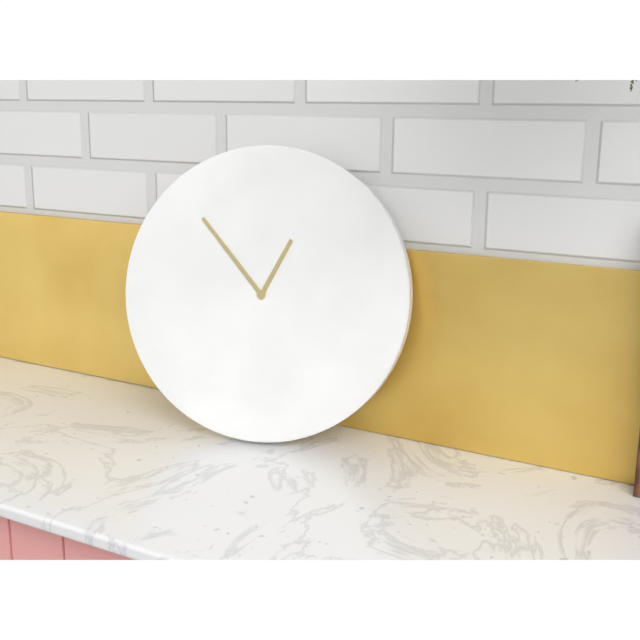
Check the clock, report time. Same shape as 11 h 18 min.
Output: 12 h 53 min
